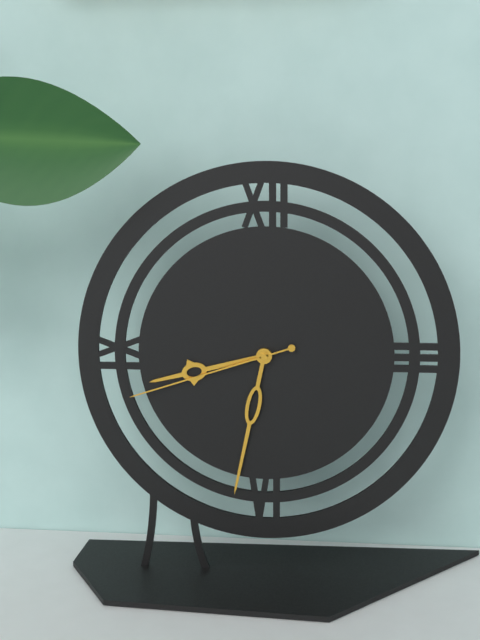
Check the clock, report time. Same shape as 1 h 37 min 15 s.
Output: 8 h 32 min 42 s
